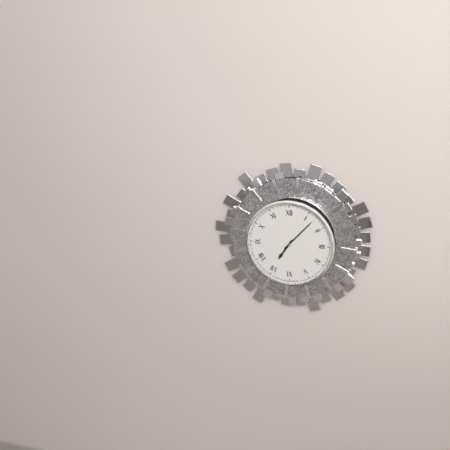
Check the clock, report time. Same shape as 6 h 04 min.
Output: 7 h 07 min
